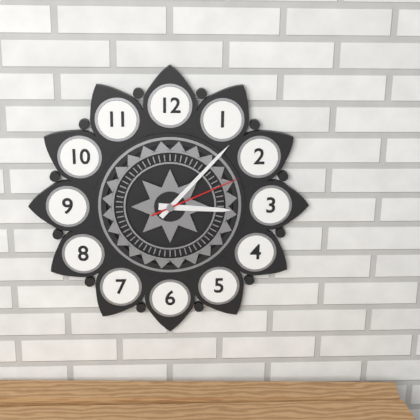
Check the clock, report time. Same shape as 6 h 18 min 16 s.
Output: 3 h 07 min 11 s
